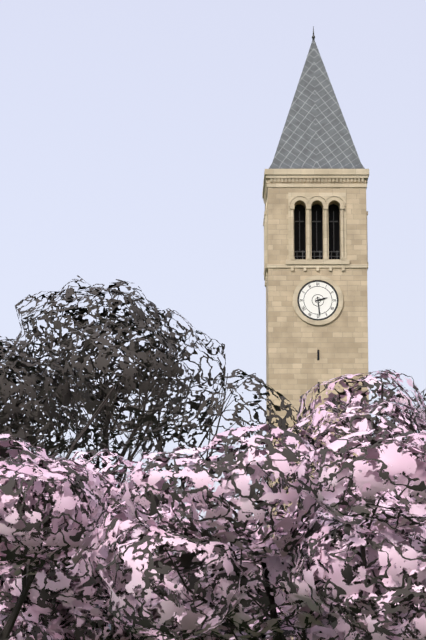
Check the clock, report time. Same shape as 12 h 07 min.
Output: 2 h 29 min
